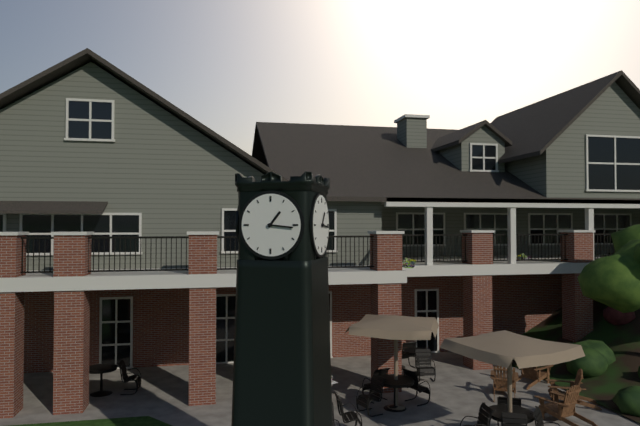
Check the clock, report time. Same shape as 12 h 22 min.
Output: 1 h 16 min
